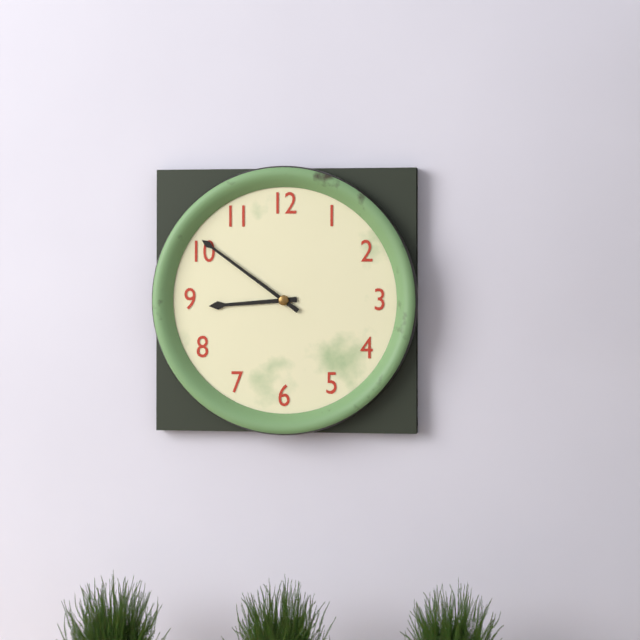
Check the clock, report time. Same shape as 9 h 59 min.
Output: 8 h 51 min
